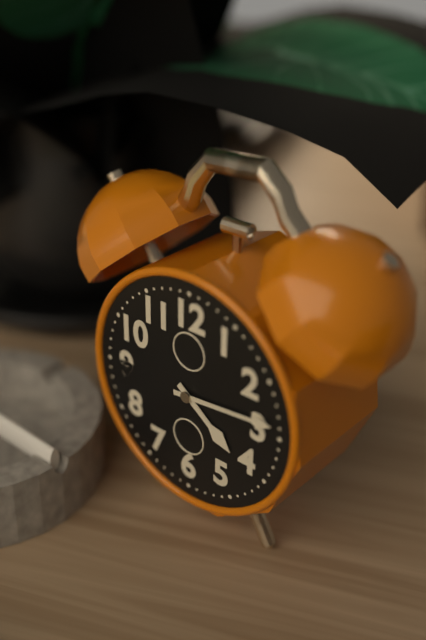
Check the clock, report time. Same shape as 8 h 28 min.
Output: 4 h 14 min
